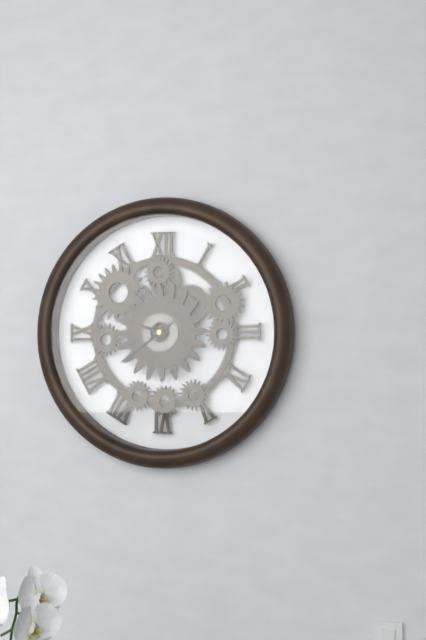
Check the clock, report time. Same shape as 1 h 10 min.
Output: 9 h 39 min
